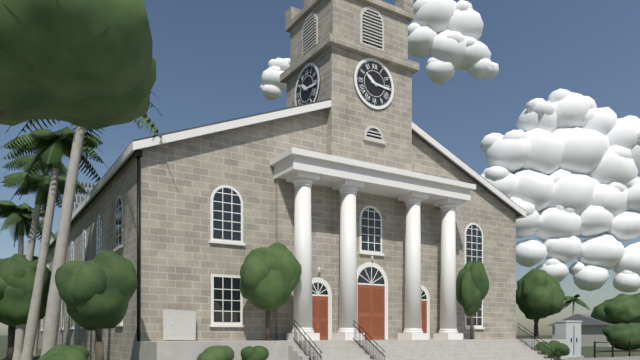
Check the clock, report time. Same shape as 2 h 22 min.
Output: 10 h 16 min
